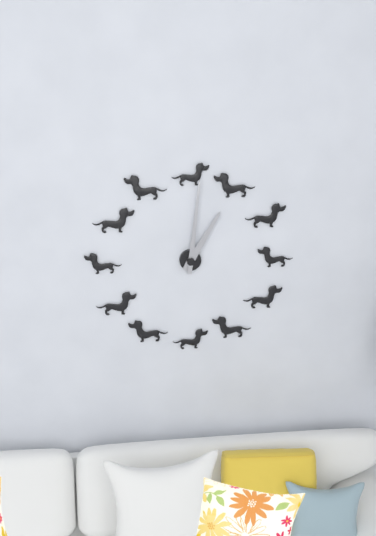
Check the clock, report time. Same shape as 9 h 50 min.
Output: 1 h 01 min
